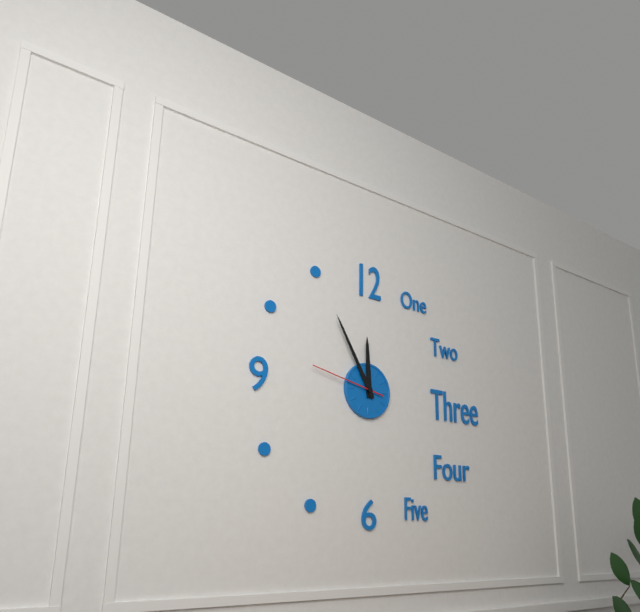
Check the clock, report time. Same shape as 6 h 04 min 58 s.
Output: 11 h 55 min 47 s
